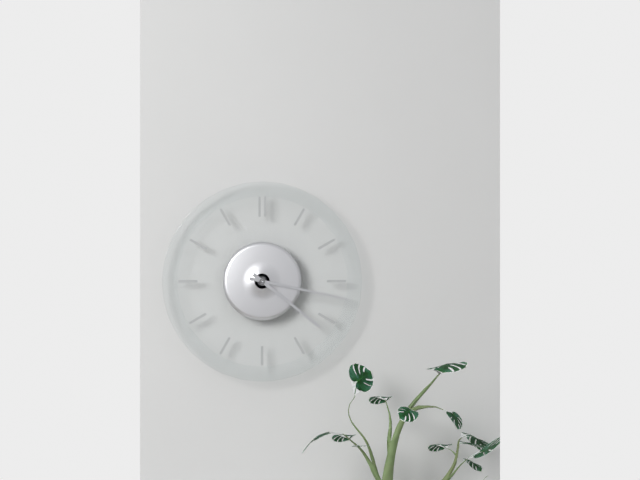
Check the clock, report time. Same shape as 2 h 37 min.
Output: 4 h 17 min
